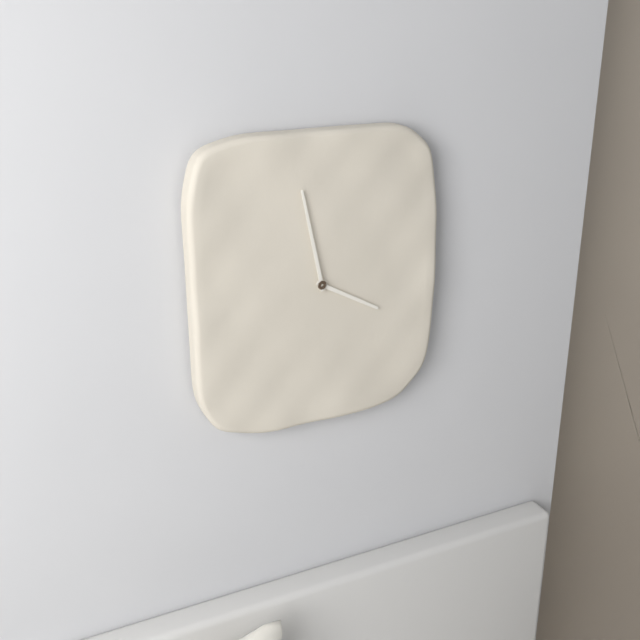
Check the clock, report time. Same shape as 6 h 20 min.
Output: 3 h 58 min
